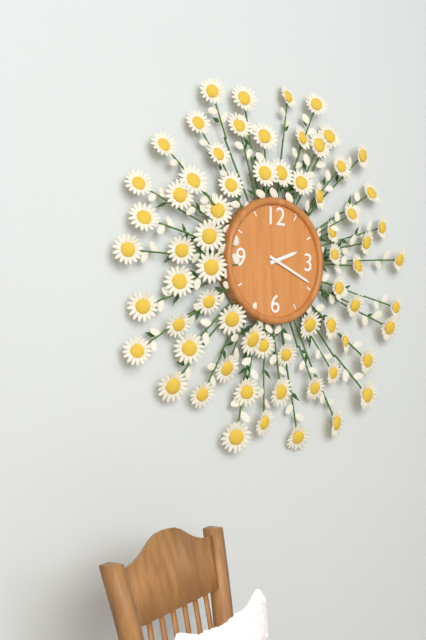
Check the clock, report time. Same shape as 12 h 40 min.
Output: 2 h 19 min
